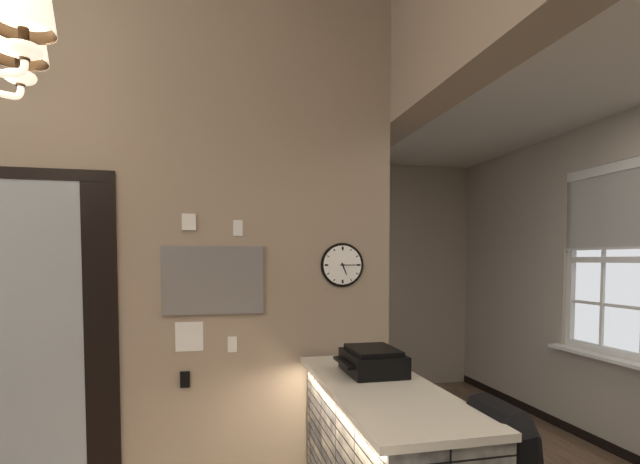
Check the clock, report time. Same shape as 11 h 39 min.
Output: 5 h 15 min
